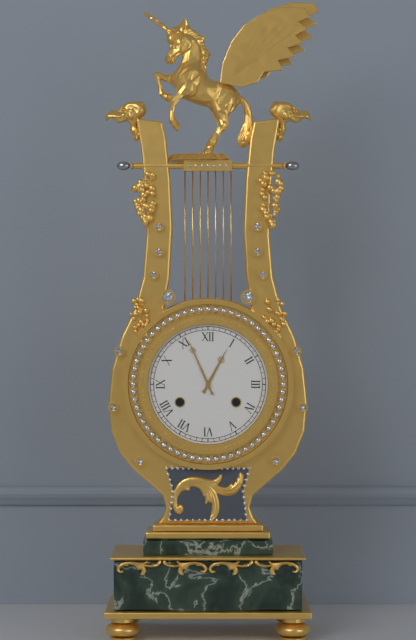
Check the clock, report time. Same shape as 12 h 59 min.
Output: 12 h 56 min
